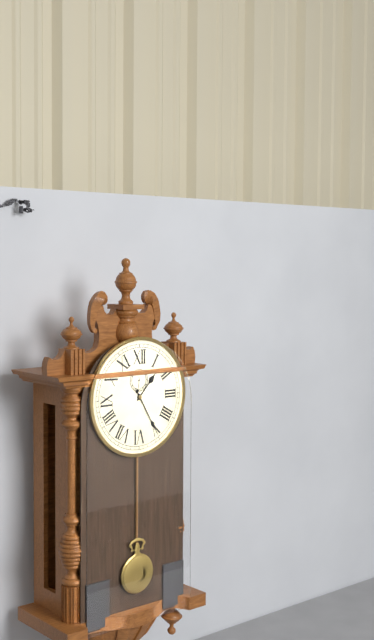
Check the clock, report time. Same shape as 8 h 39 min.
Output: 1 h 25 min
